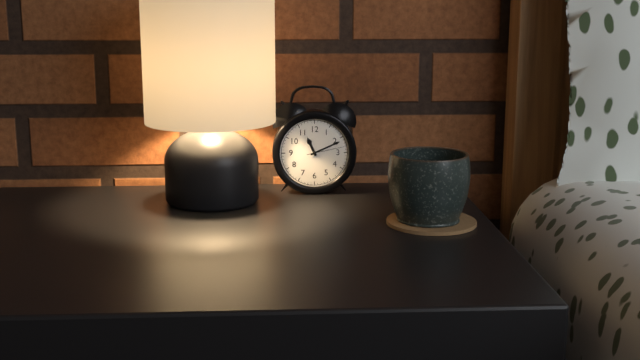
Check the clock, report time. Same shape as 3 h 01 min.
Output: 11 h 11 min
